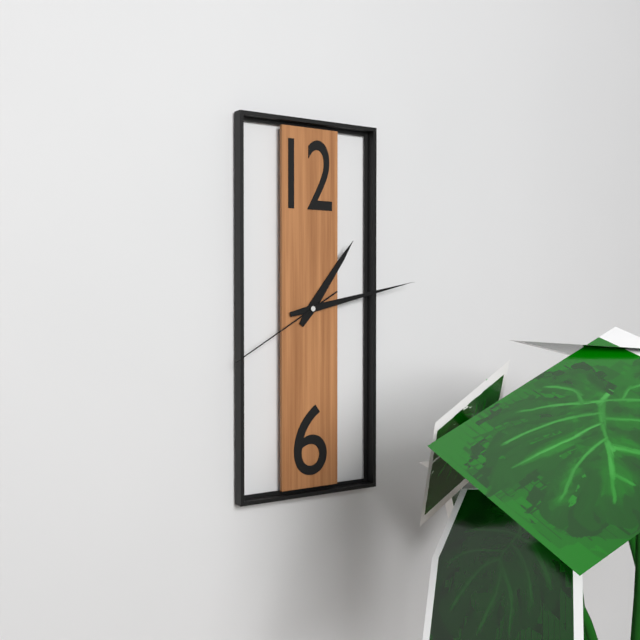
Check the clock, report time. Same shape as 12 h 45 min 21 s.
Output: 1 h 13 min 40 s
